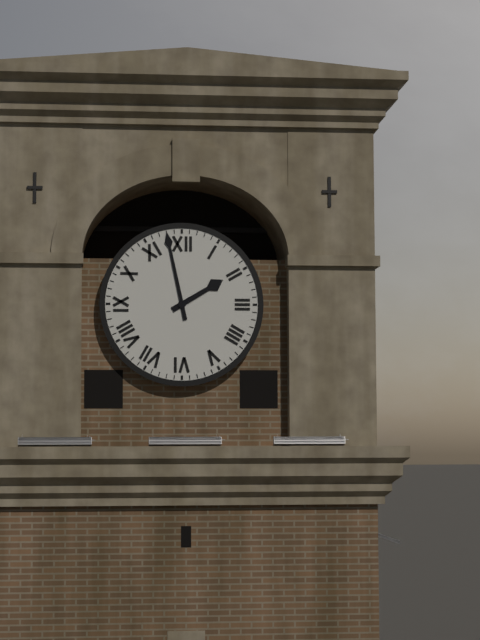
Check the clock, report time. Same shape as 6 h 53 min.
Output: 1 h 58 min
